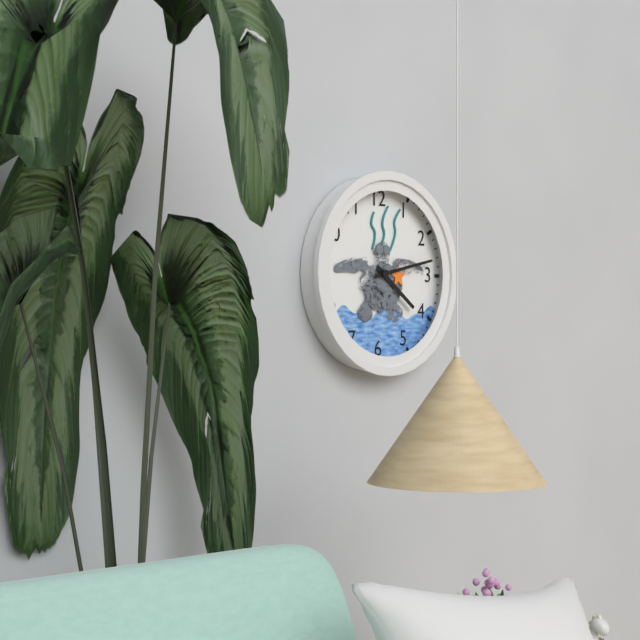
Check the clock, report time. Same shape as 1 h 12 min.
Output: 4 h 13 min
